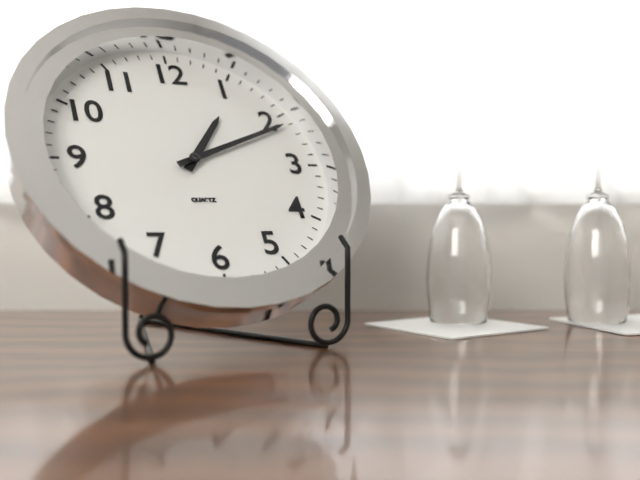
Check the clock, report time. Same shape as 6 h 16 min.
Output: 1 h 11 min
